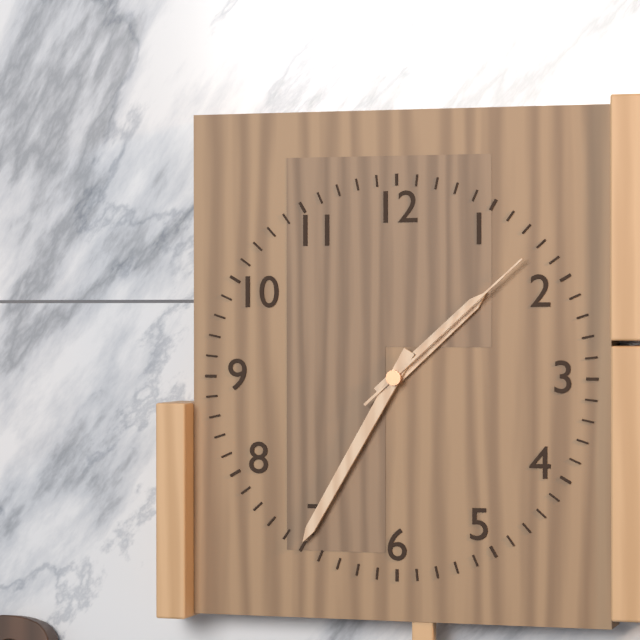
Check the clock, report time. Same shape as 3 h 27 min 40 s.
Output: 1 h 35 min 08 s
